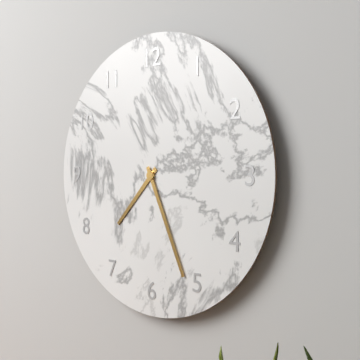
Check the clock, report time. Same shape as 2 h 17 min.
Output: 7 h 26 min
